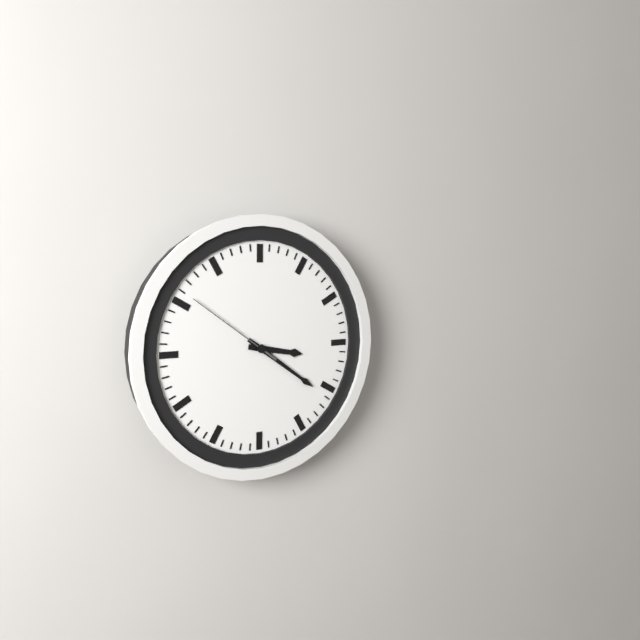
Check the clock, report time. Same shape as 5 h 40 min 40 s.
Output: 3 h 21 min 51 s
